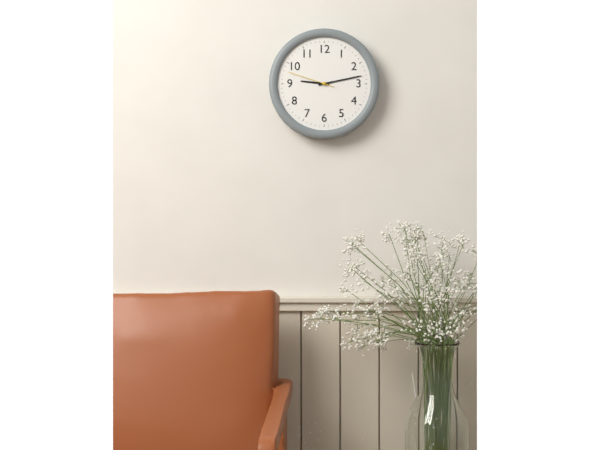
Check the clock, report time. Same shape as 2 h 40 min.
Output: 9 h 13 min
